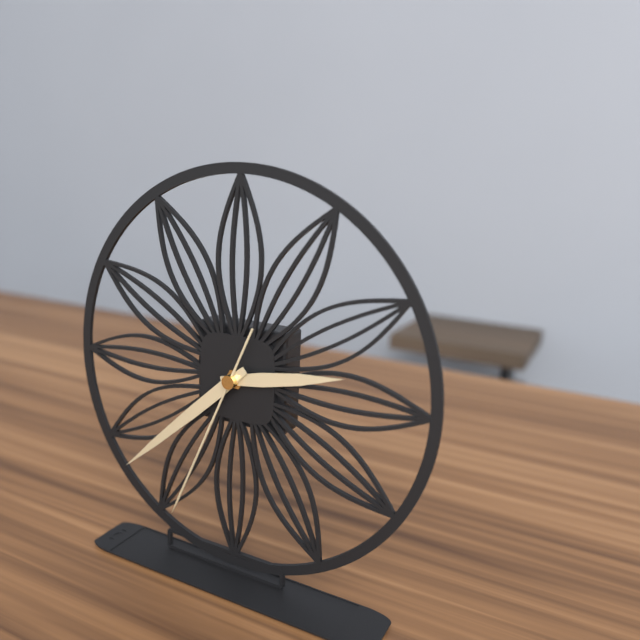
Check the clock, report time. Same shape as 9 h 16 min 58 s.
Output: 2 h 38 min 34 s
